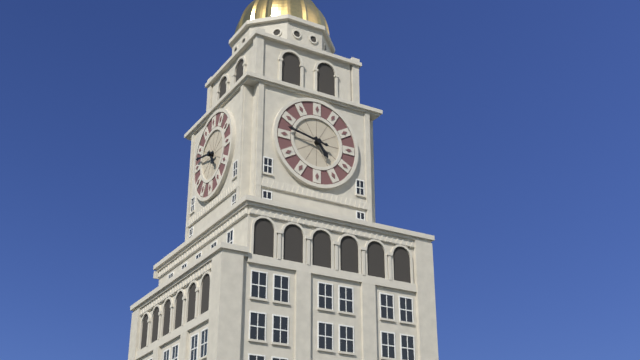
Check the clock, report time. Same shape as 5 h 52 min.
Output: 4 h 47 min
